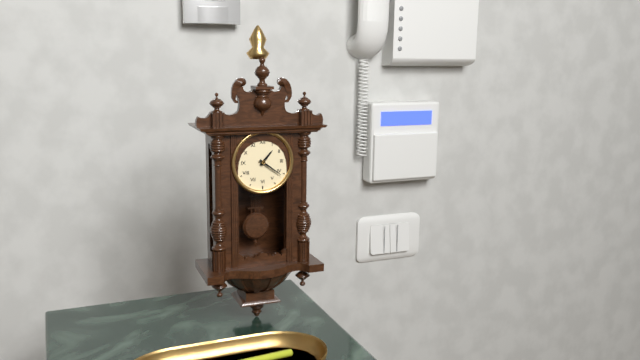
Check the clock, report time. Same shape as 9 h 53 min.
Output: 1 h 21 min
